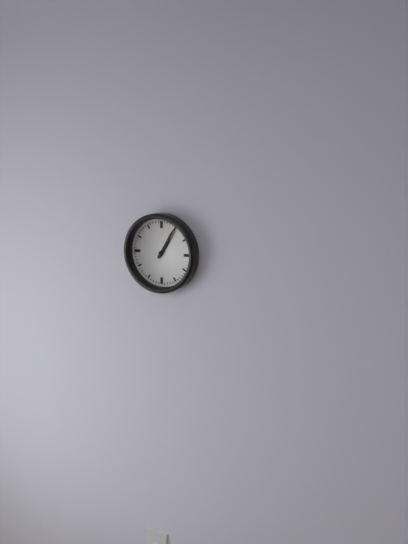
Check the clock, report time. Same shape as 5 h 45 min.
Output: 1 h 05 min
